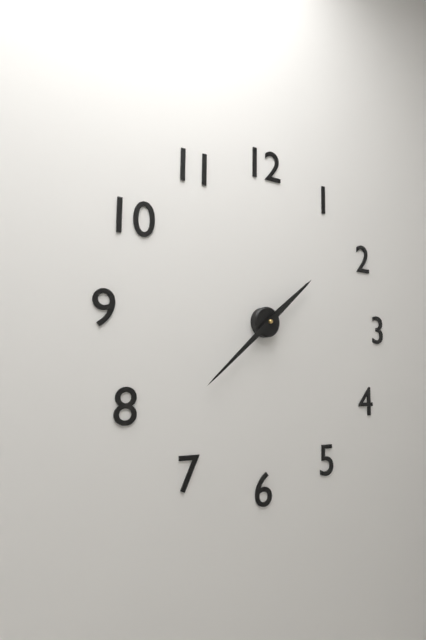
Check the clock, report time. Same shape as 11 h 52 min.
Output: 1 h 38 min
